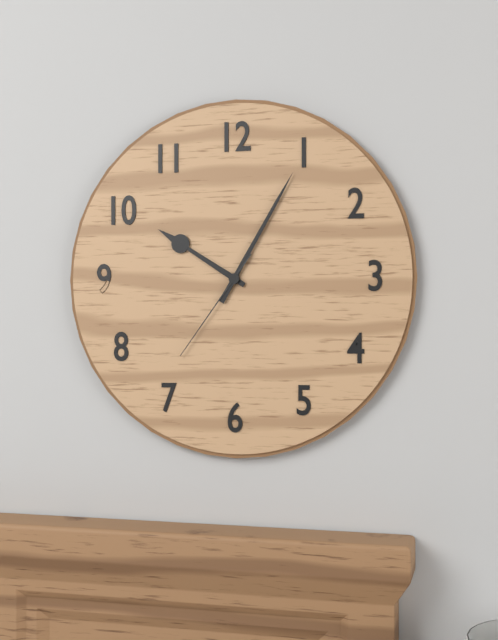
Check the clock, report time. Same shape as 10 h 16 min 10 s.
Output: 10 h 05 min 36 s
